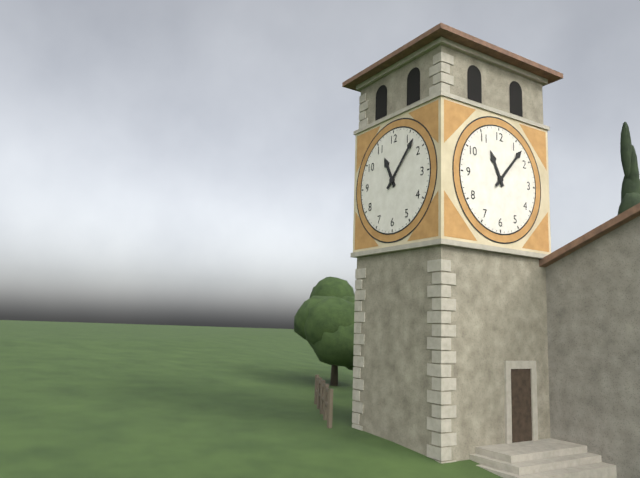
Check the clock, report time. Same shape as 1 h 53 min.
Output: 11 h 07 min
